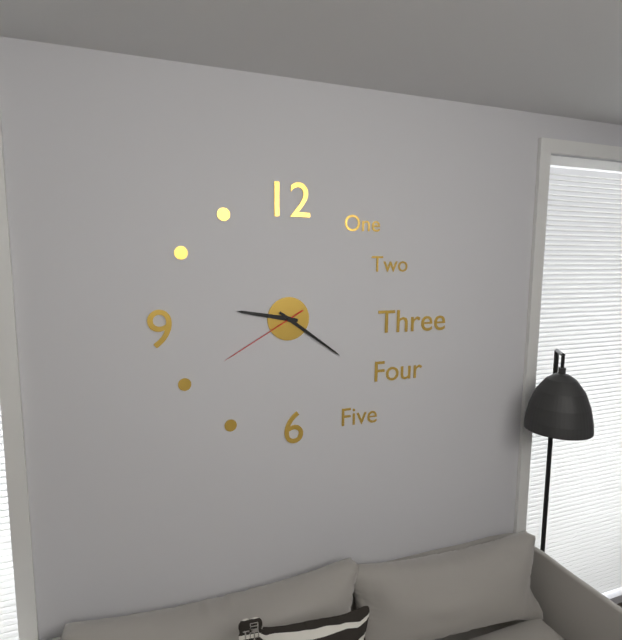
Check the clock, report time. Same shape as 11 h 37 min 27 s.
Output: 9 h 21 min 40 s
